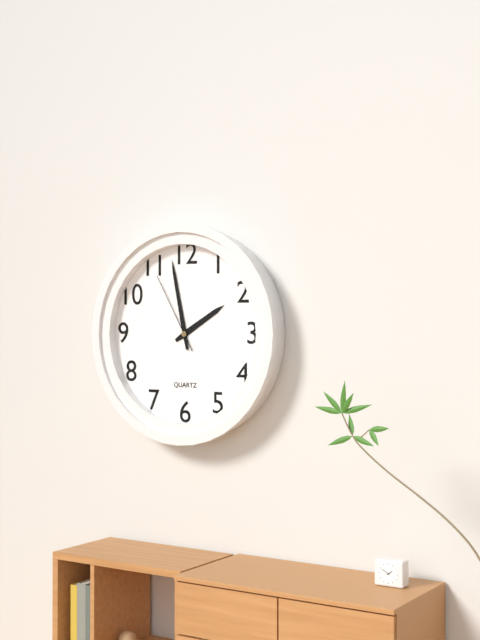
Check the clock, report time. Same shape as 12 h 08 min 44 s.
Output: 1 h 58 min 55 s
